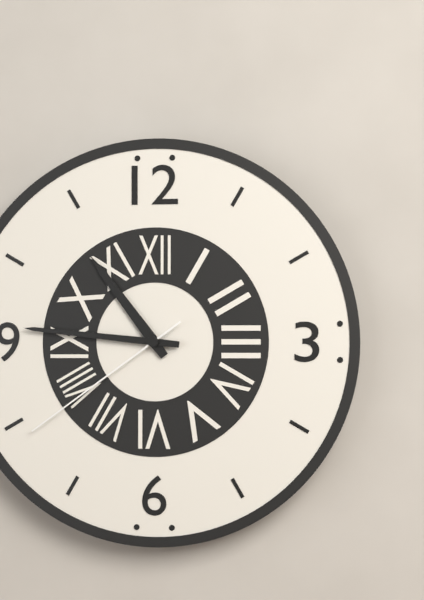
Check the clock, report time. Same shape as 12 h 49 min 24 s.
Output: 10 h 46 min 39 s
